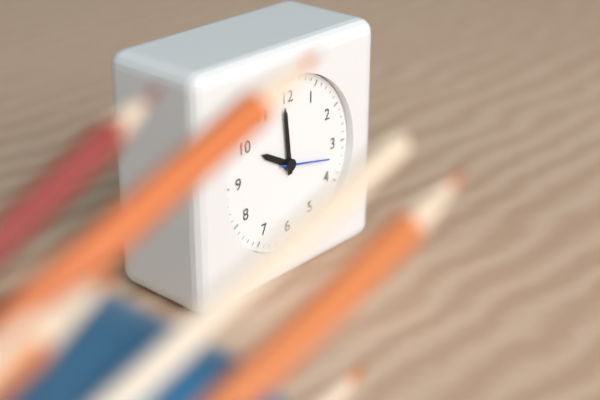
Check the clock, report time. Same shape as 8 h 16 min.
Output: 9 h 59 min
